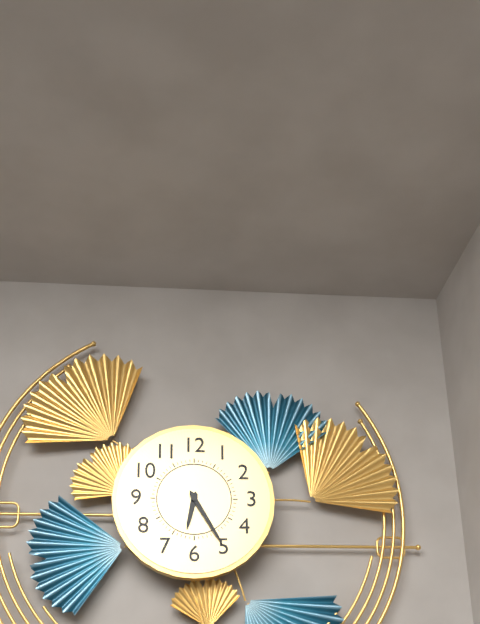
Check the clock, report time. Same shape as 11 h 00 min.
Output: 6 h 25 min
